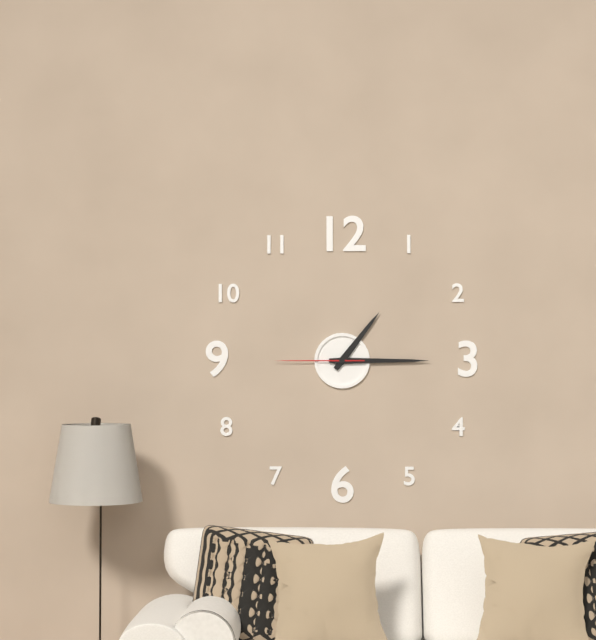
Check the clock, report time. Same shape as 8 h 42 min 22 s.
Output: 1 h 15 min 45 s
